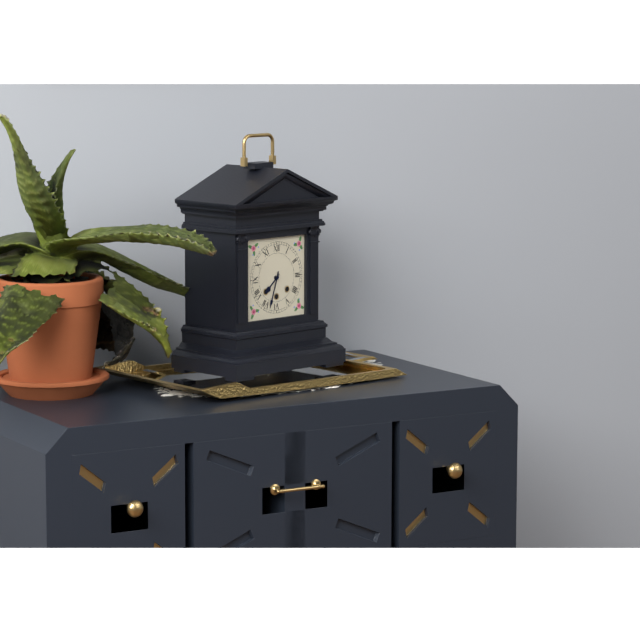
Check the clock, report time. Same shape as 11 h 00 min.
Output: 7 h 33 min
